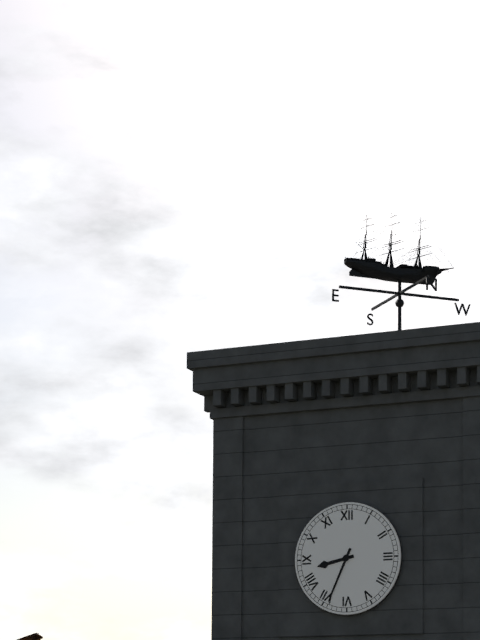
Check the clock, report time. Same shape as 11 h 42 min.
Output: 8 h 34 min
